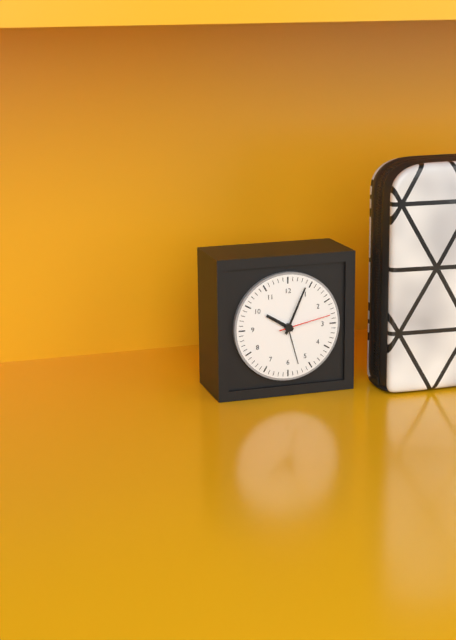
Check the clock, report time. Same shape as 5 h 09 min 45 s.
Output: 10 h 04 min 13 s
